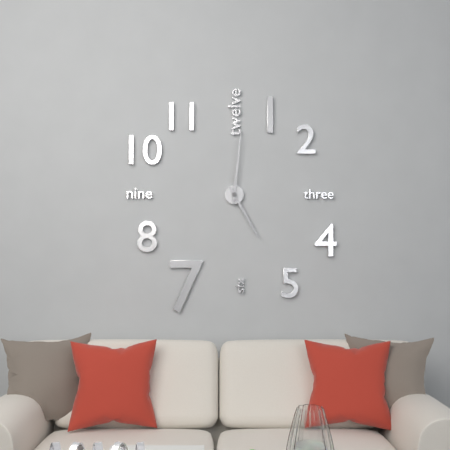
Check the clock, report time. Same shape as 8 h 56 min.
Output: 5 h 01 min
